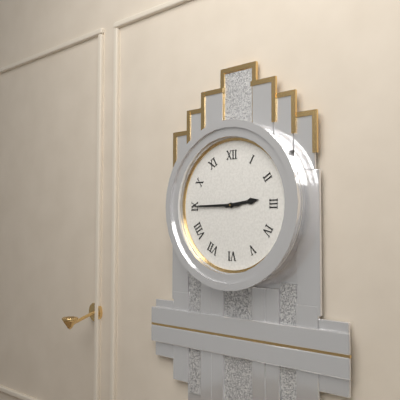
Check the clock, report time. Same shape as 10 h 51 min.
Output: 2 h 45 min
